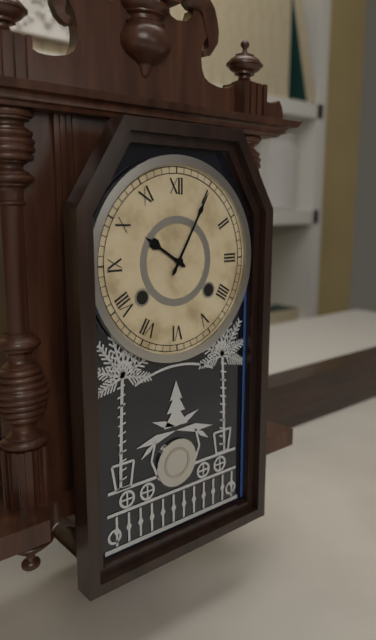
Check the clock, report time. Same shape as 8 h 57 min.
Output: 10 h 05 min
